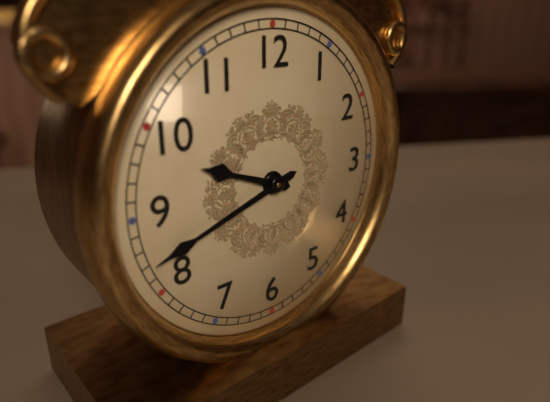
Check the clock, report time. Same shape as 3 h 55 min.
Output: 9 h 42 min
